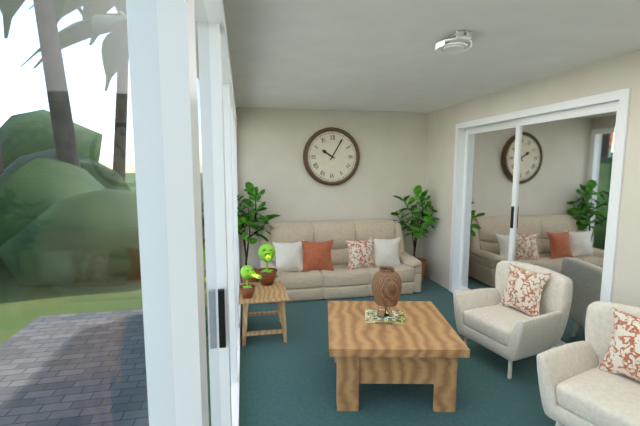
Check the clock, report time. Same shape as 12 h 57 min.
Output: 10 h 05 min
